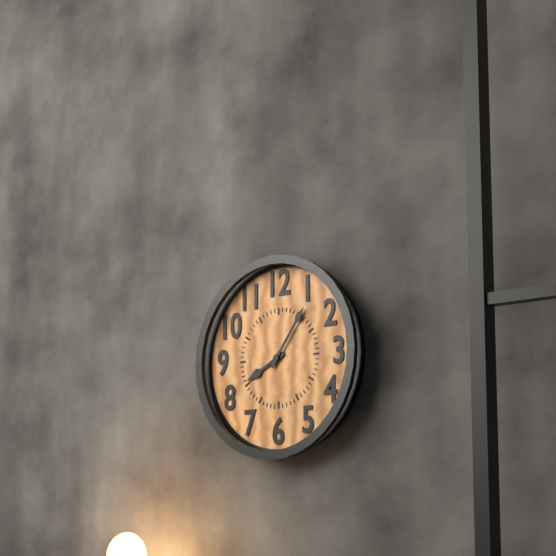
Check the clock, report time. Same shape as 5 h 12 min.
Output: 8 h 06 min
